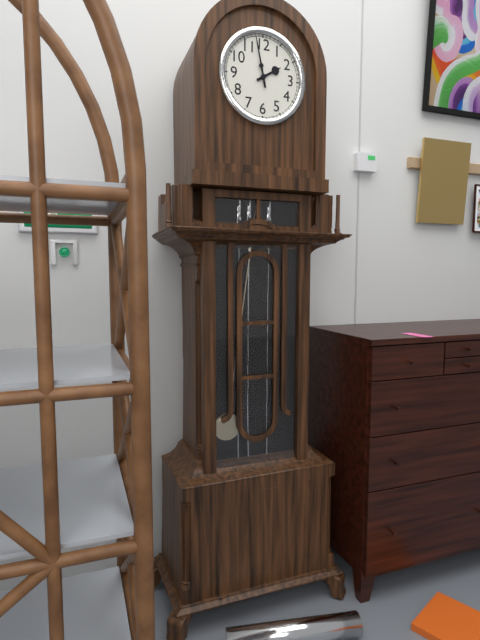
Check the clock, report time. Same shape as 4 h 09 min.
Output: 1 h 58 min
